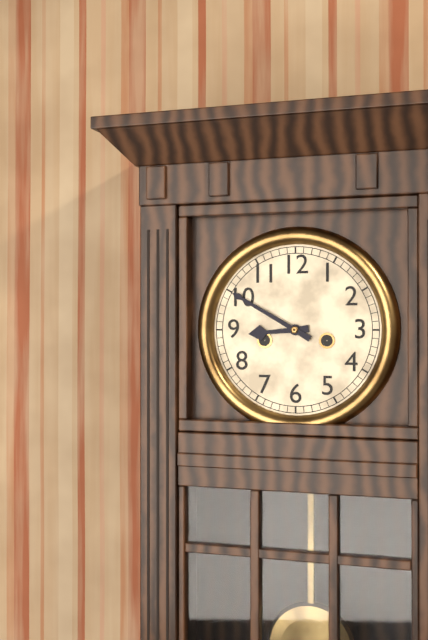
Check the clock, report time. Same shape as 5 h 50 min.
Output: 8 h 50 min
